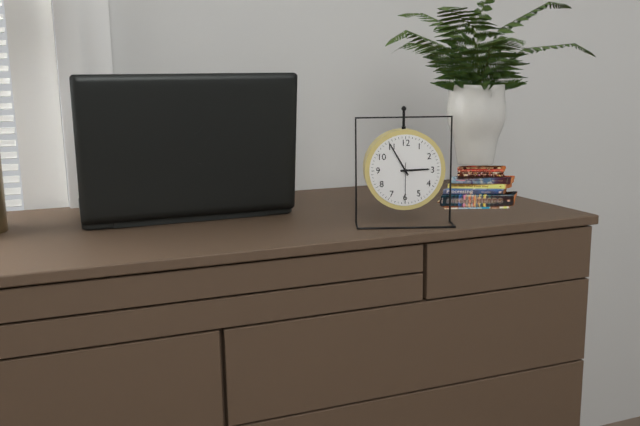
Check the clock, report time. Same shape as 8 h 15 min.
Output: 2 h 55 min
